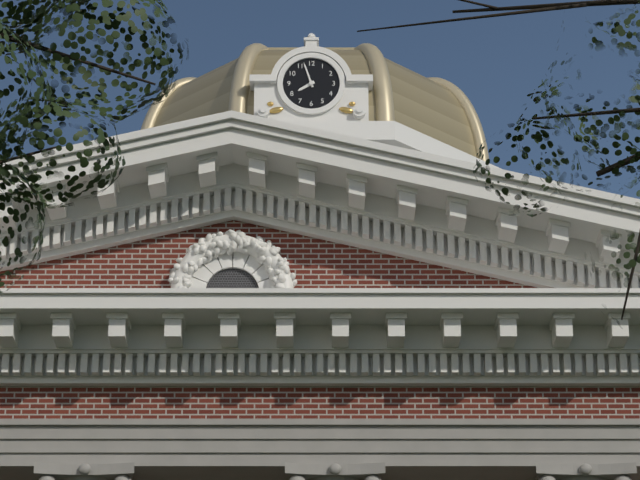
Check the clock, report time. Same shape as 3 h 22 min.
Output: 7 h 57 min
